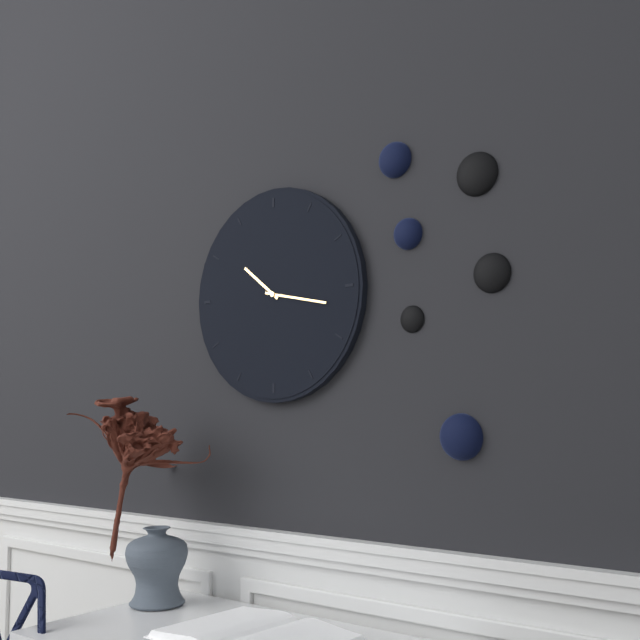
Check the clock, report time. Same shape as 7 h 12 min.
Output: 10 h 17 min
